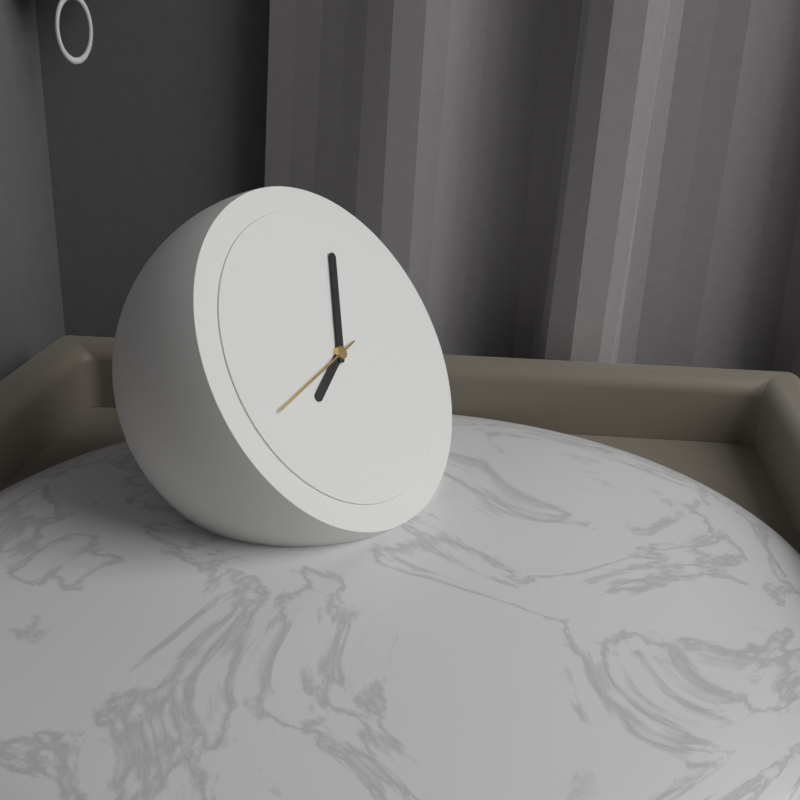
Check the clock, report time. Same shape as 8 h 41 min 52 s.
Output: 8 h 05 min 43 s
